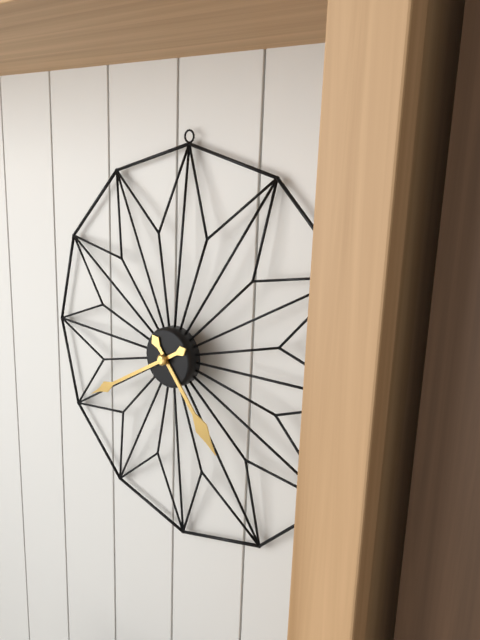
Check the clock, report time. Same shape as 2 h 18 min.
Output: 4 h 40 min
